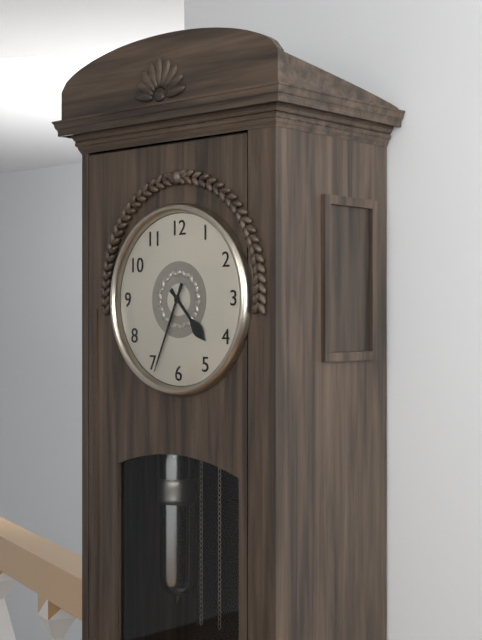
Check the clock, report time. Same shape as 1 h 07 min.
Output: 4 h 34 min
